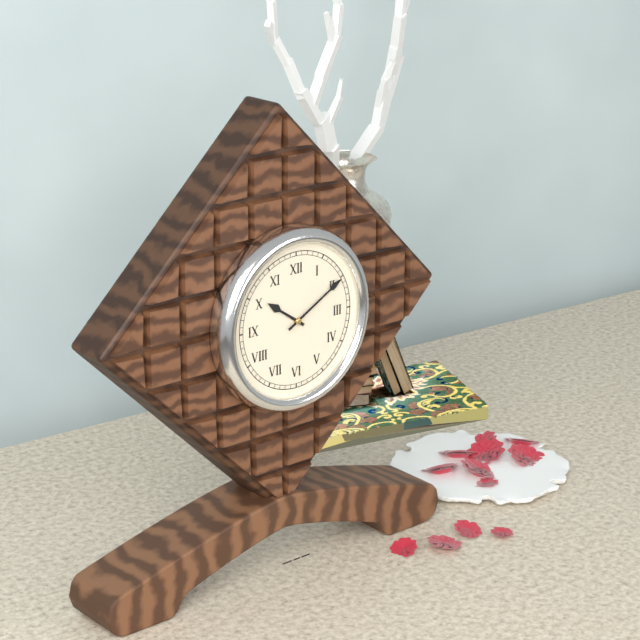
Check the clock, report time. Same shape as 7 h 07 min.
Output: 10 h 10 min
